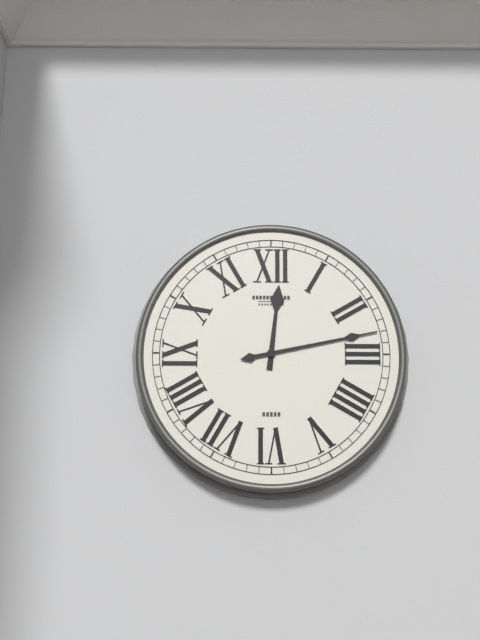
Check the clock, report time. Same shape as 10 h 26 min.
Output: 12 h 13 min
